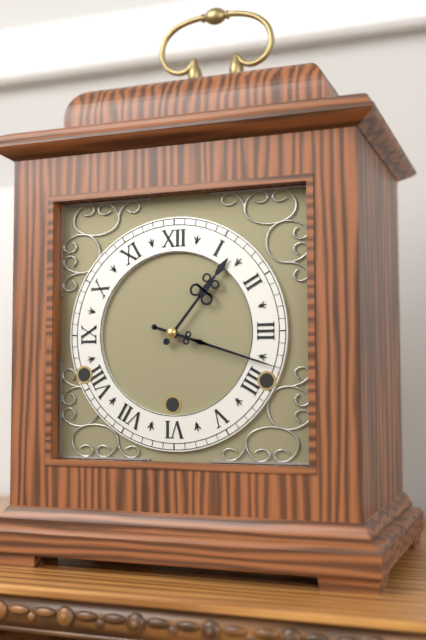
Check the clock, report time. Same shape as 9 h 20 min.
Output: 1 h 18 min
